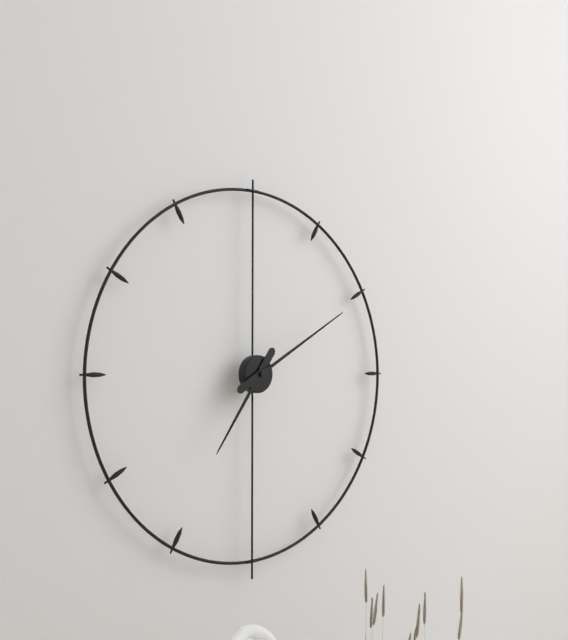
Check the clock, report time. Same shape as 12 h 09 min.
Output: 7 h 10 min
